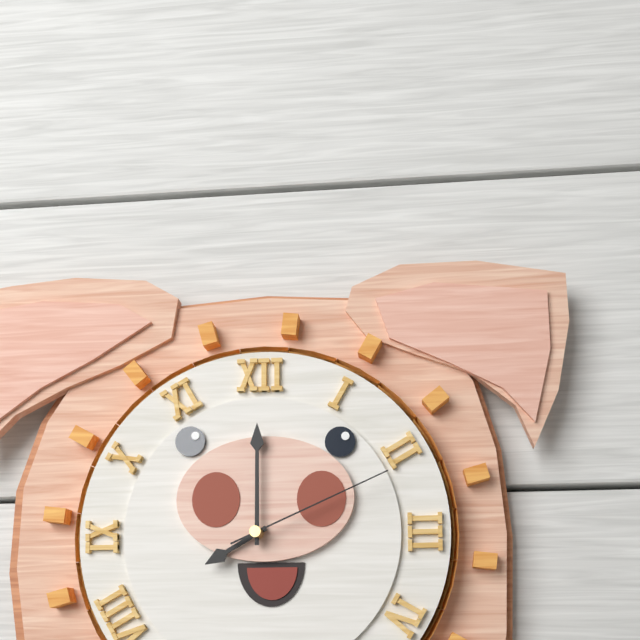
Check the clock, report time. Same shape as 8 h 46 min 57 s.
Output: 8 h 00 min 11 s
